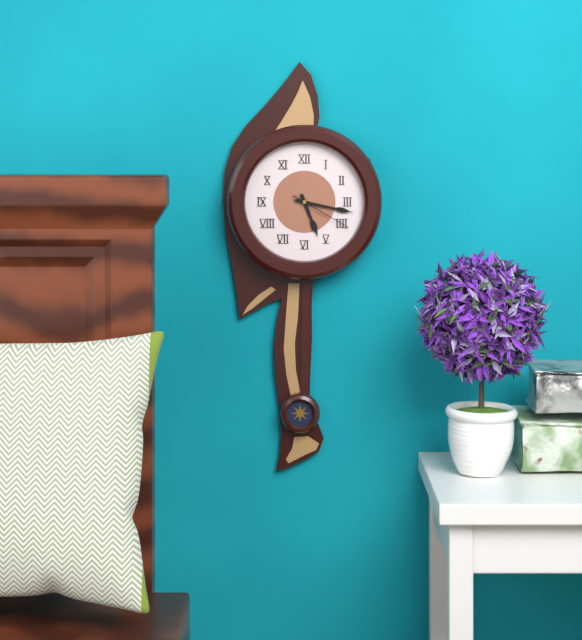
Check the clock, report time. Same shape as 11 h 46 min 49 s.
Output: 5 h 17 min 20 s
